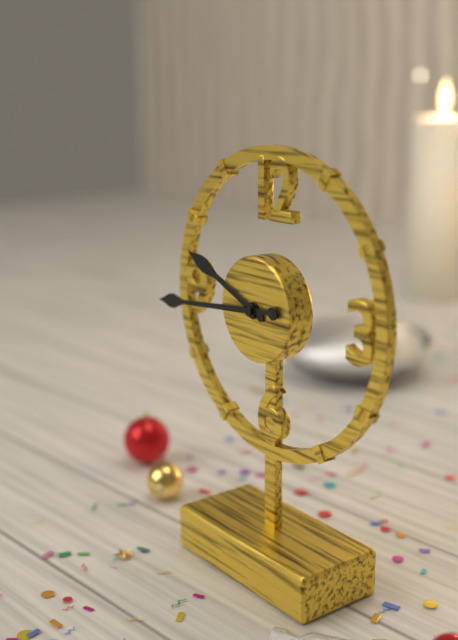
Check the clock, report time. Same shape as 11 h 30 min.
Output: 9 h 44 min
